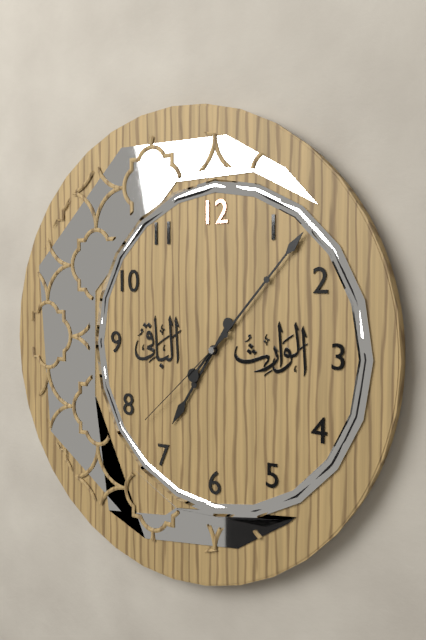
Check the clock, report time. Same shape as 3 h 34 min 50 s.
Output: 7 h 07 min 38 s
